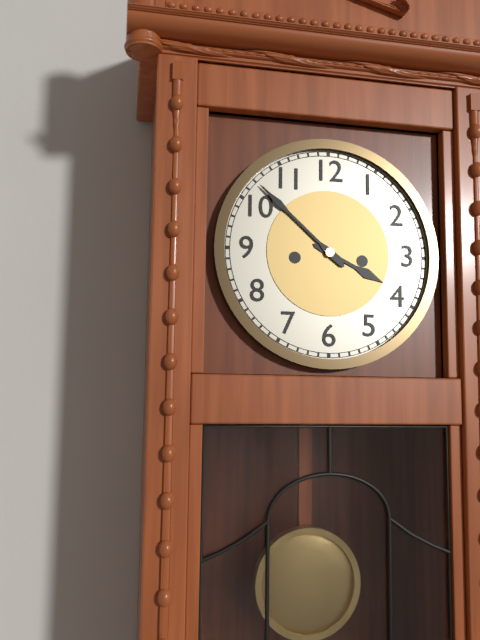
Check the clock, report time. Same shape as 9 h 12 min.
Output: 3 h 52 min
